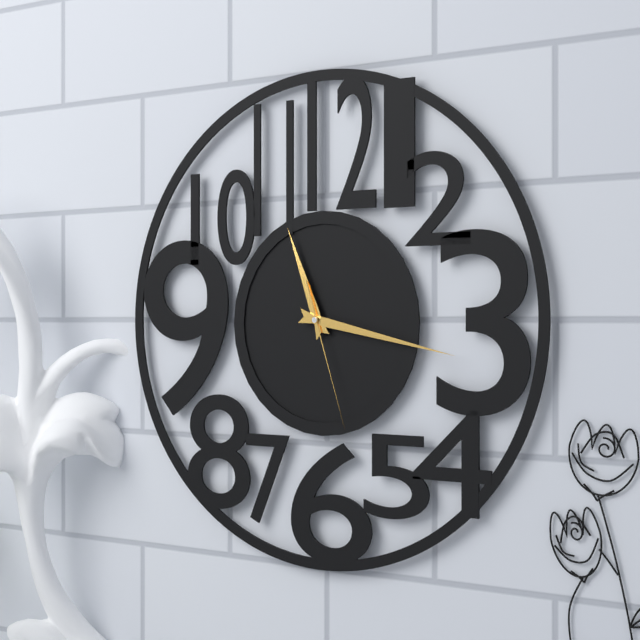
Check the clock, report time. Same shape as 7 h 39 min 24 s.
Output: 11 h 17 min 27 s
